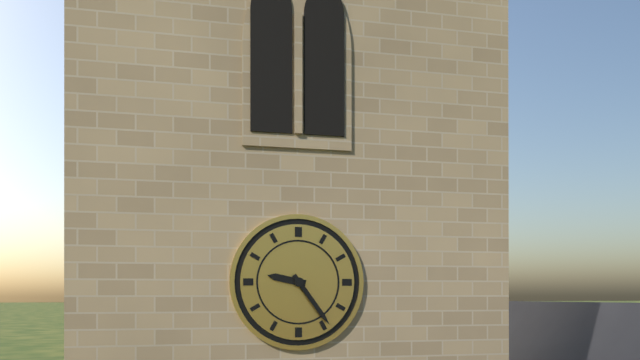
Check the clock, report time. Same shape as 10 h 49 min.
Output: 9 h 24 min
